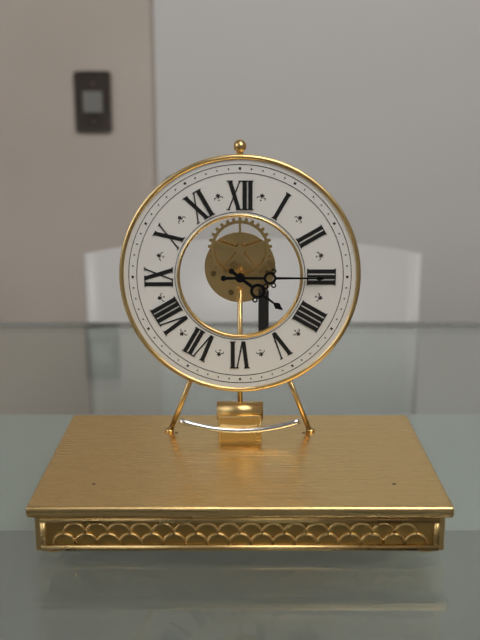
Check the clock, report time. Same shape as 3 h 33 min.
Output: 4 h 15 min
